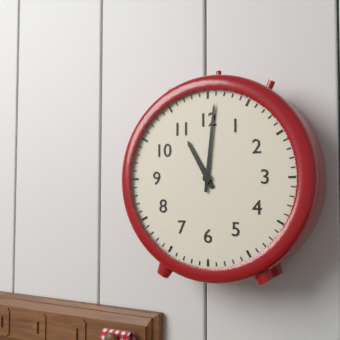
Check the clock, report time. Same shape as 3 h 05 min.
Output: 11 h 01 min
